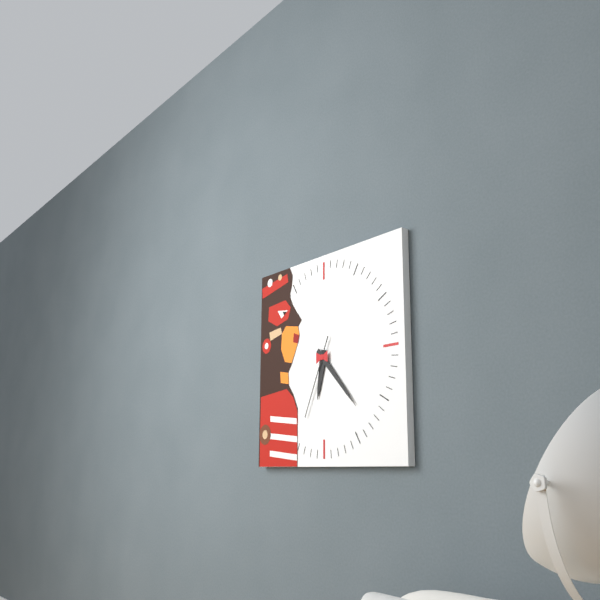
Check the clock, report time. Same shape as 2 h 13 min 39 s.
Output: 6 h 23 min 34 s
